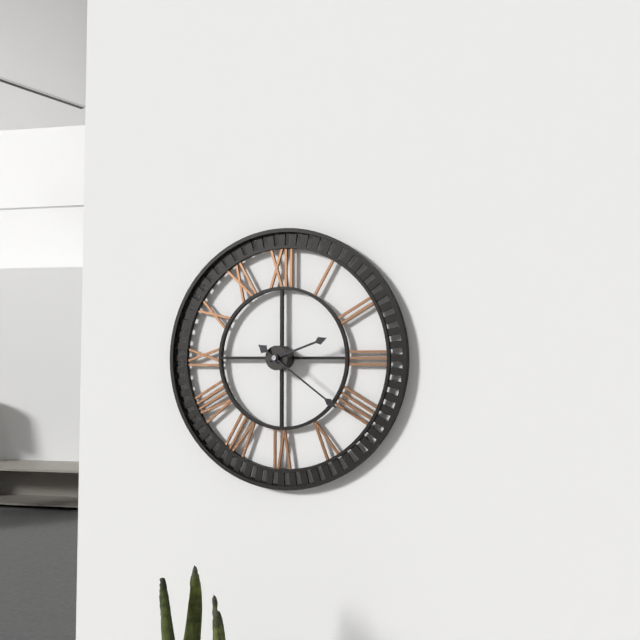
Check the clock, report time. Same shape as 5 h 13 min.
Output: 2 h 21 min
